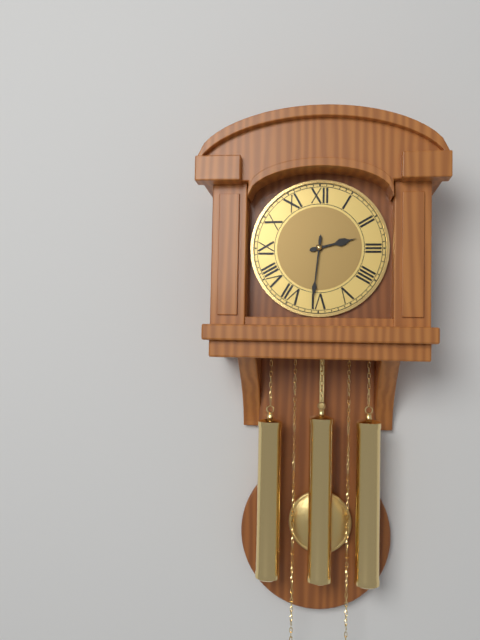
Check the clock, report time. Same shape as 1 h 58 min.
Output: 2 h 31 min
